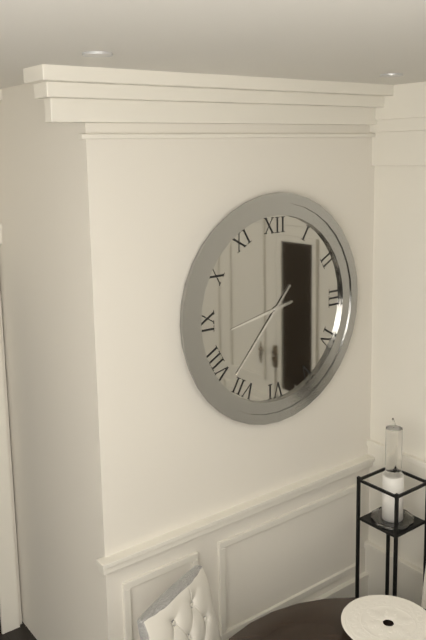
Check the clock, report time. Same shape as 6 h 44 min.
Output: 8 h 37 min
